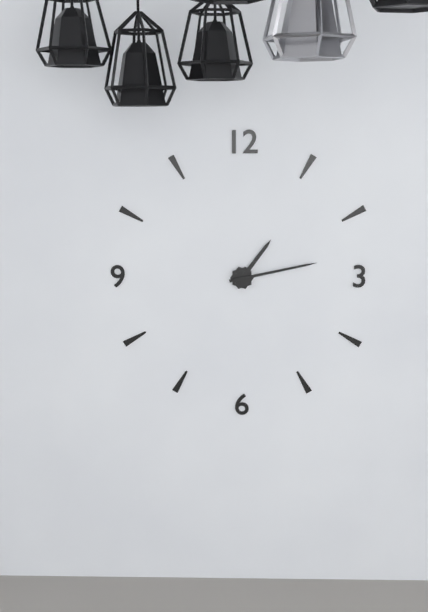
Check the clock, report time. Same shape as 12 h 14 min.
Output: 1 h 13 min
